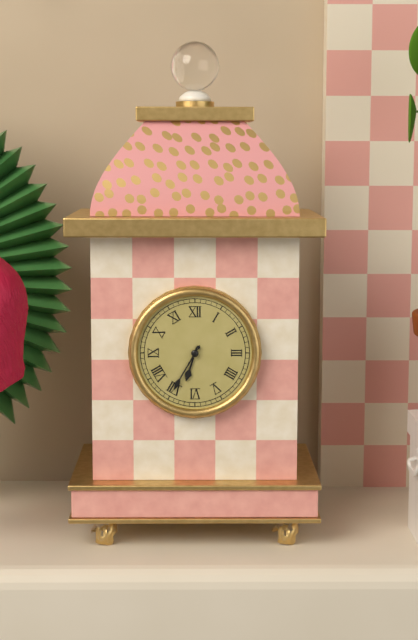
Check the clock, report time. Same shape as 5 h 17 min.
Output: 6 h 35 min
